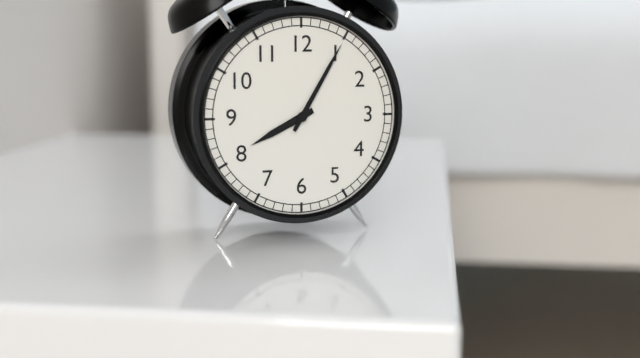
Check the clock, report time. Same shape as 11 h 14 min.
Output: 8 h 05 min
